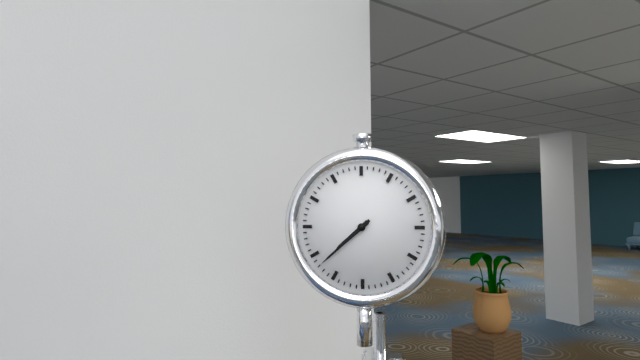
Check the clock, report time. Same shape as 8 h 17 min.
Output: 7 h 38 min
